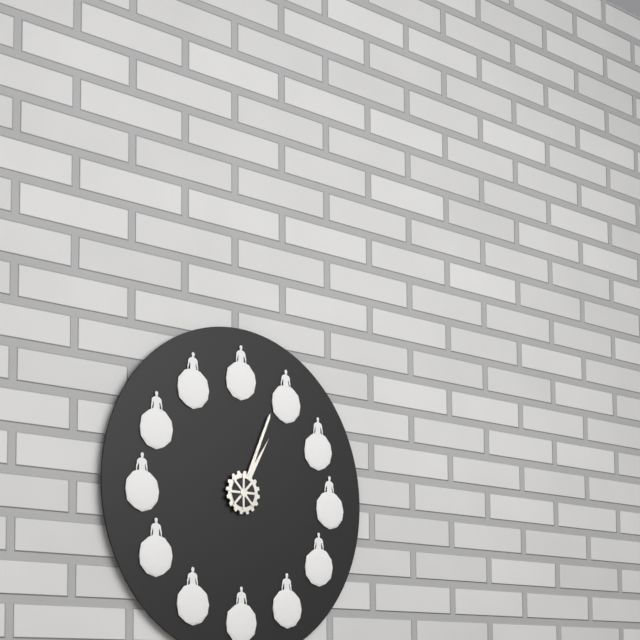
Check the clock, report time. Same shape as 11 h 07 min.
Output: 1 h 04 min
